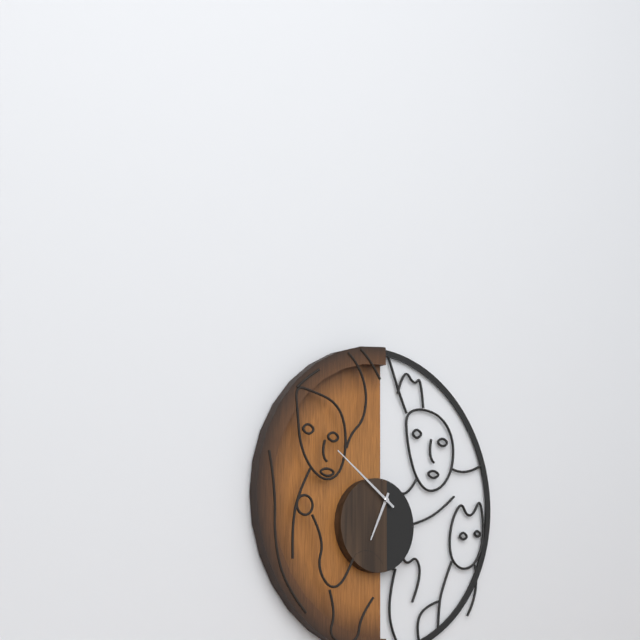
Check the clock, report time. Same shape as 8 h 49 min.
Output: 6 h 51 min
